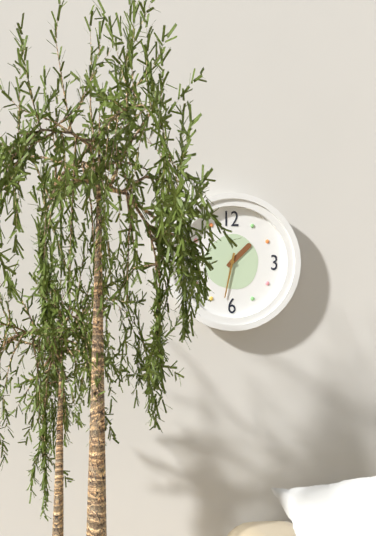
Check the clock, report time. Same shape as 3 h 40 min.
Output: 1 h 32 min
